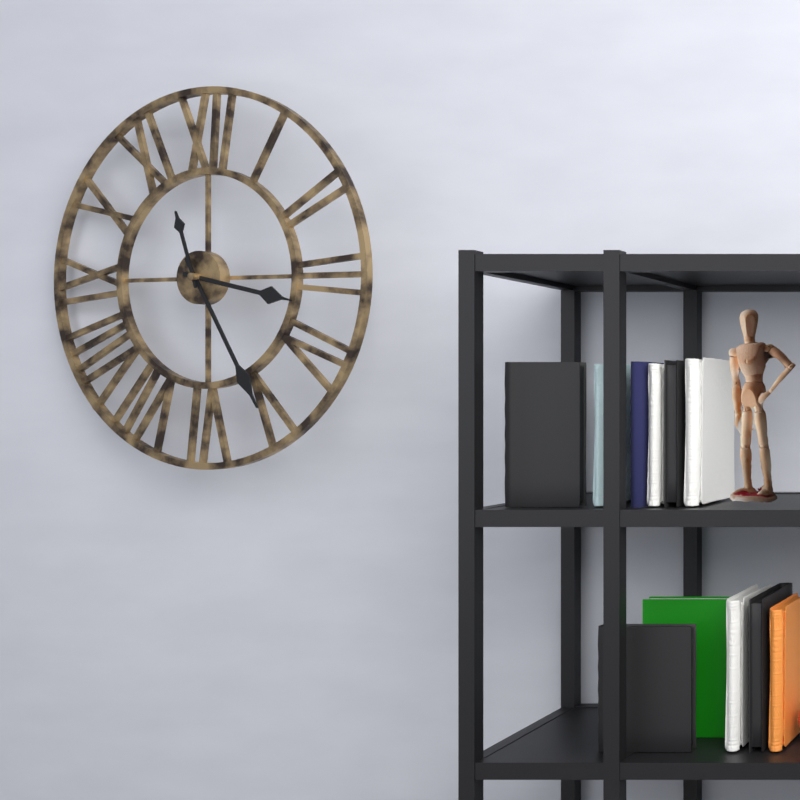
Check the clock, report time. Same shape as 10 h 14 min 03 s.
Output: 3 h 25 min 57 s
